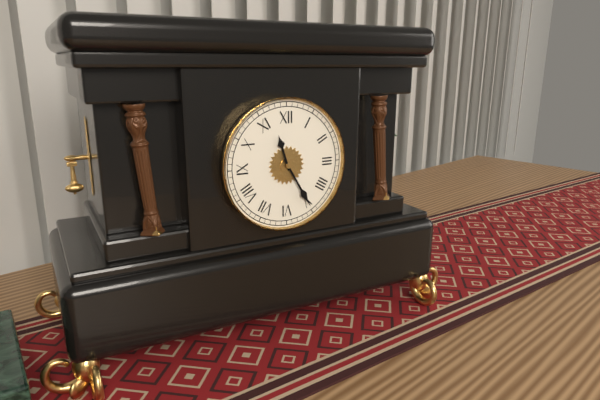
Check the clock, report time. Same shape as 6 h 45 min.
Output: 11 h 25 min
